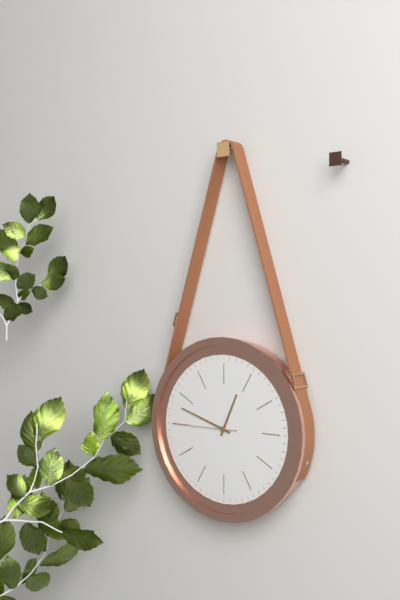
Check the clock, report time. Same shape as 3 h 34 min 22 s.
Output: 12 h 48 min 45 s
